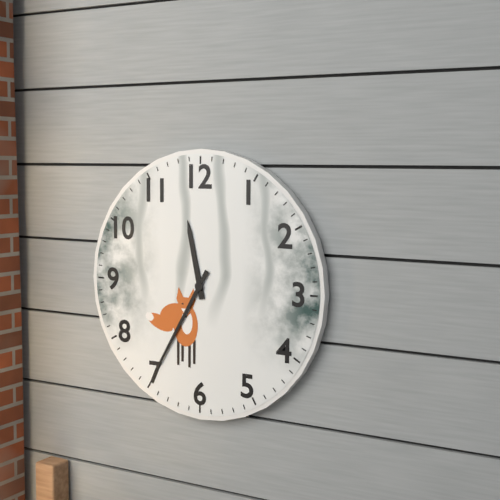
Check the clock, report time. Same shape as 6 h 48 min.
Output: 11 h 35 min
